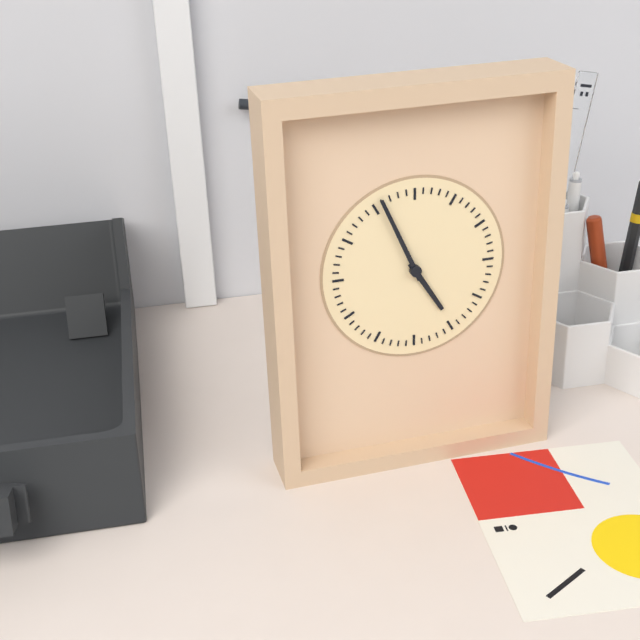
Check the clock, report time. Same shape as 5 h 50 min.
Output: 4 h 56 min
